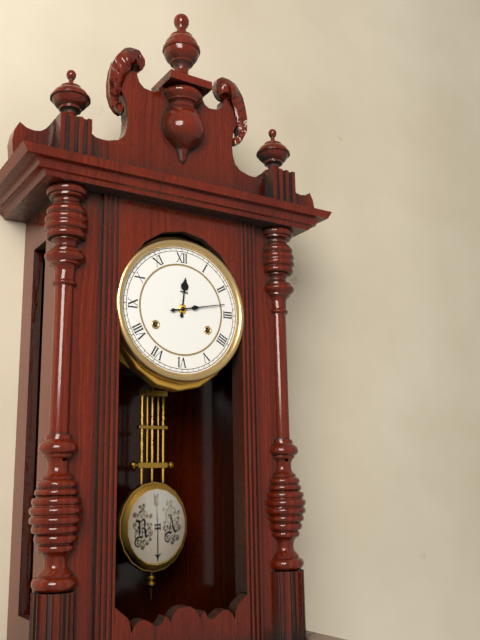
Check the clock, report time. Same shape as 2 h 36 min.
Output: 12 h 13 min
